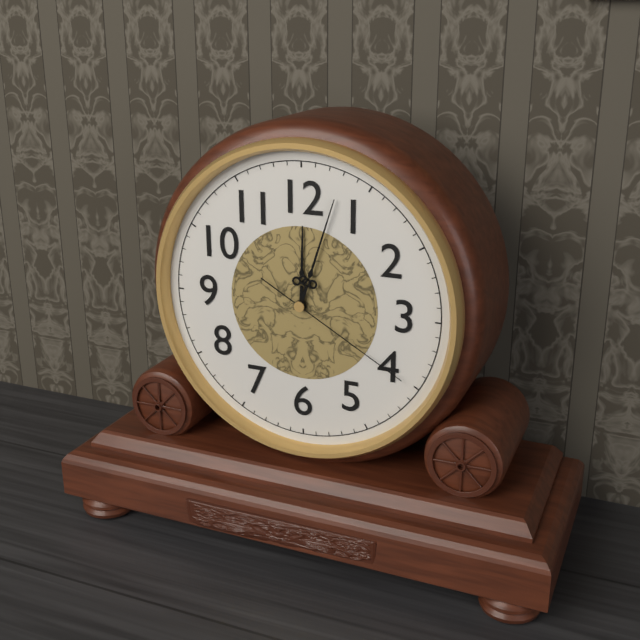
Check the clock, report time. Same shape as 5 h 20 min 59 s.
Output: 12 h 03 min 20 s
